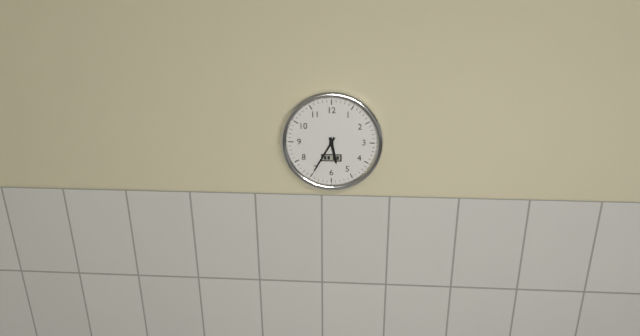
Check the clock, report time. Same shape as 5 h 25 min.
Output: 5 h 35 min
